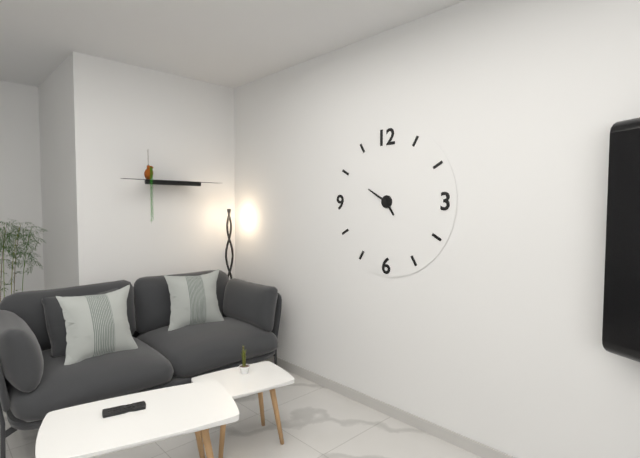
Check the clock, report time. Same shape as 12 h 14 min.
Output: 4 h 50 min
